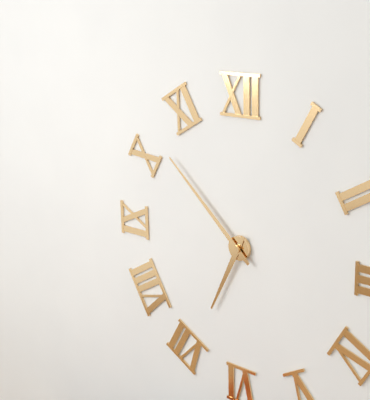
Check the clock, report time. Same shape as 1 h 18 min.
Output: 6 h 52 min
